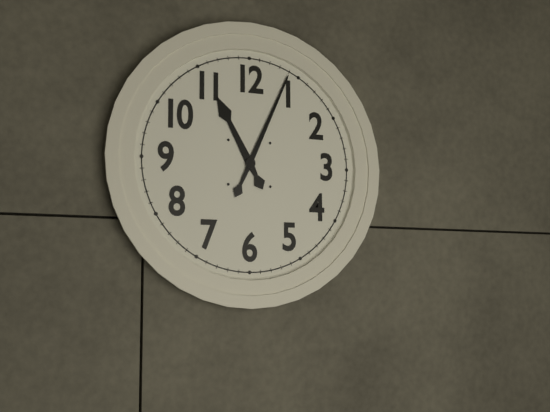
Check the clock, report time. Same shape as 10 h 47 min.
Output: 11 h 04 min
